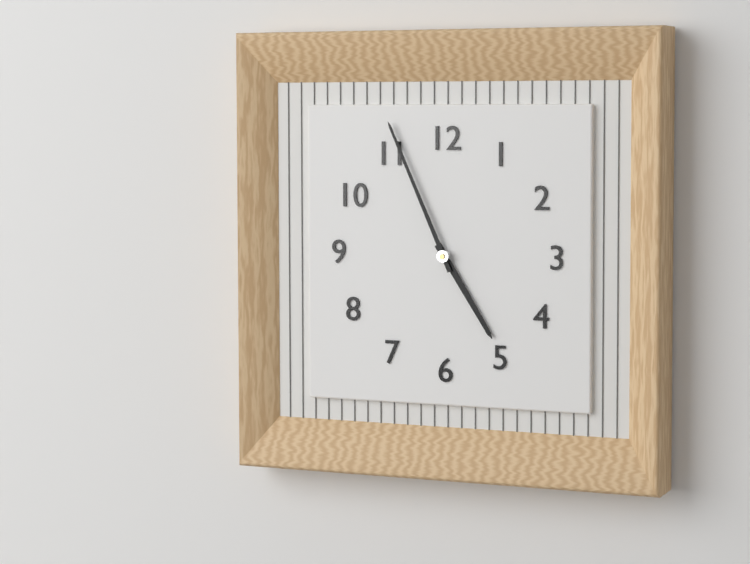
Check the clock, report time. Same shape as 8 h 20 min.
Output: 4 h 56 min
